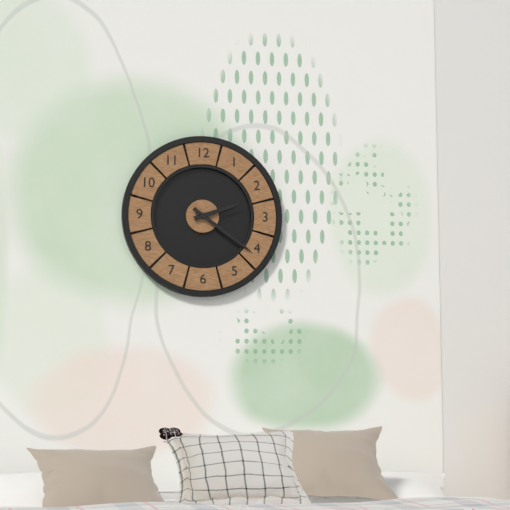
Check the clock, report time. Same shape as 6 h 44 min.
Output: 2 h 21 min
